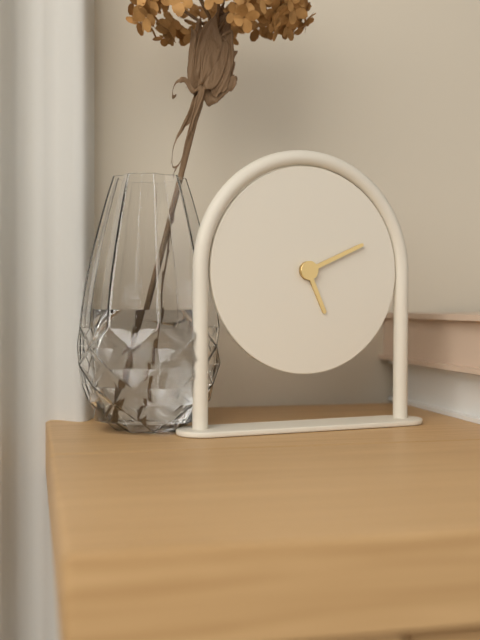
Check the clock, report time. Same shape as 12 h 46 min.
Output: 5 h 11 min
